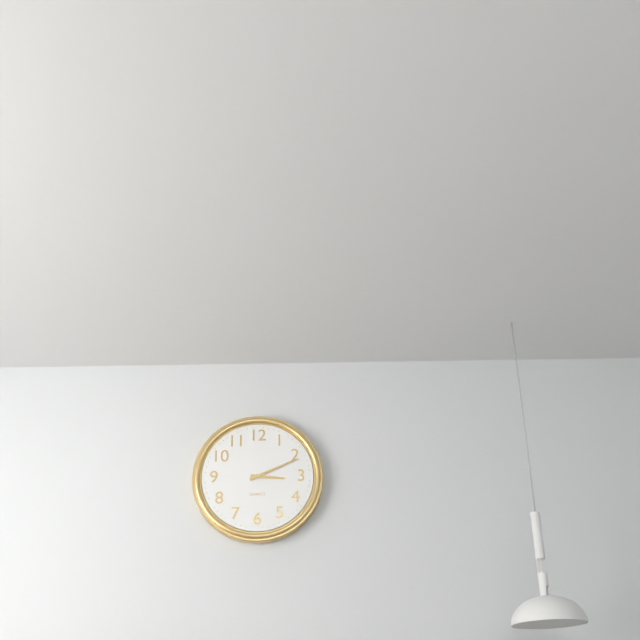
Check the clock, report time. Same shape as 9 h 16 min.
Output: 3 h 11 min
